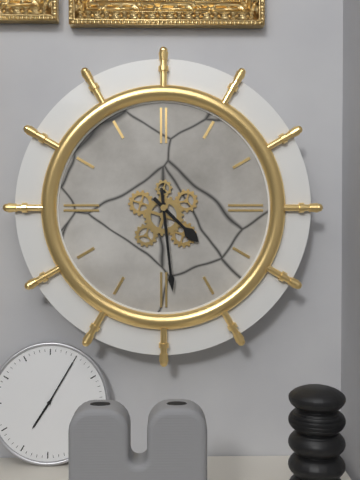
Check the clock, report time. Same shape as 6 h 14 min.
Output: 4 h 29 min
